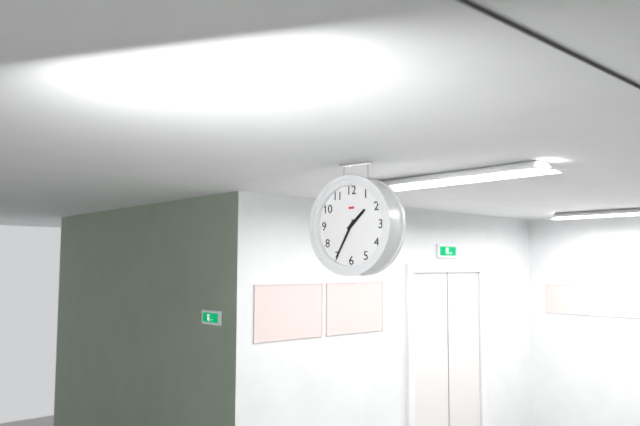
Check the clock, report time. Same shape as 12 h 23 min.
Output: 1 h 35 min
